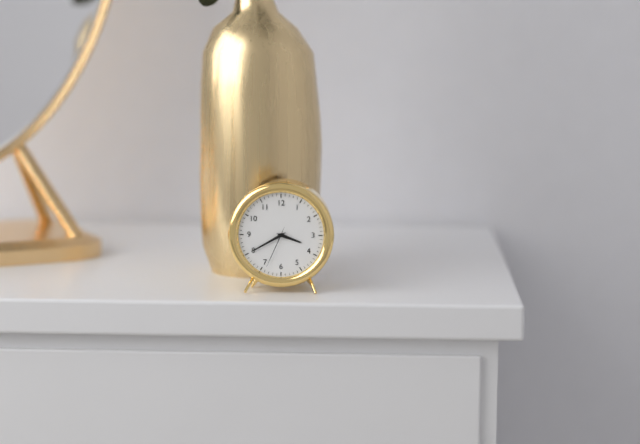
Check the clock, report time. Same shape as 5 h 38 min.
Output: 3 h 40 min
